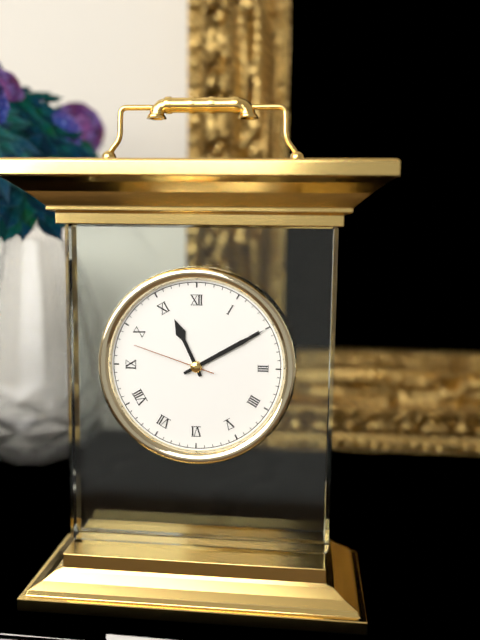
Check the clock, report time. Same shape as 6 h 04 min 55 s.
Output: 11 h 10 min 48 s
